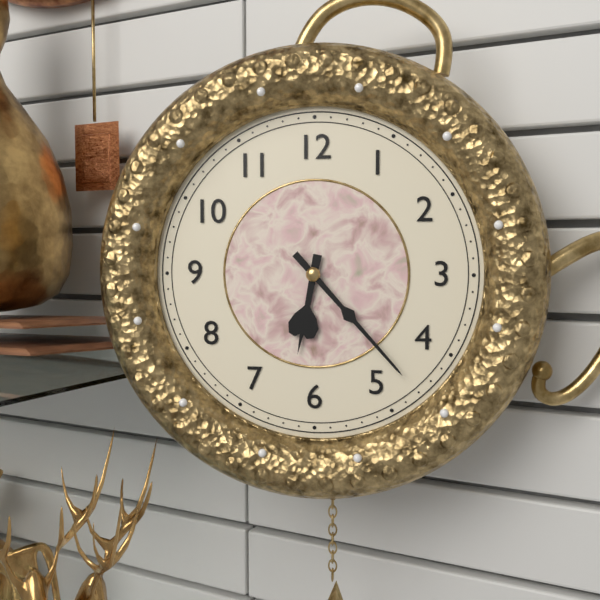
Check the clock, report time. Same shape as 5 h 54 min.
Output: 6 h 23 min
